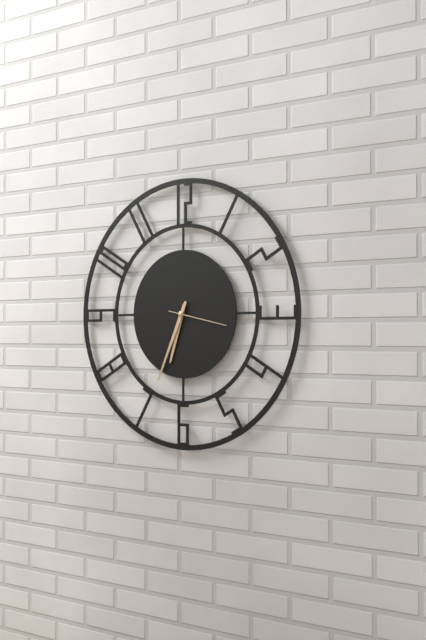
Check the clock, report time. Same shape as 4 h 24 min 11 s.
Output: 6 h 34 min 17 s
